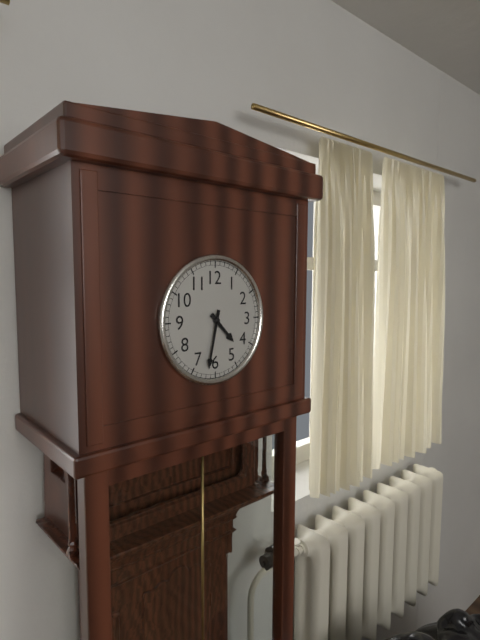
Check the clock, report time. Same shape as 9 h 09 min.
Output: 4 h 32 min
